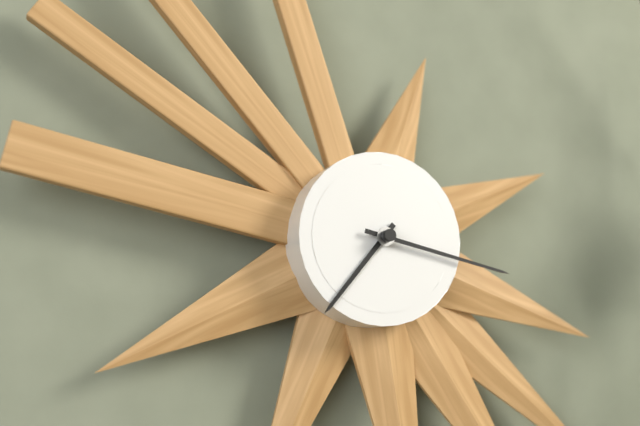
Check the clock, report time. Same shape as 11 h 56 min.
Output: 7 h 17 min
